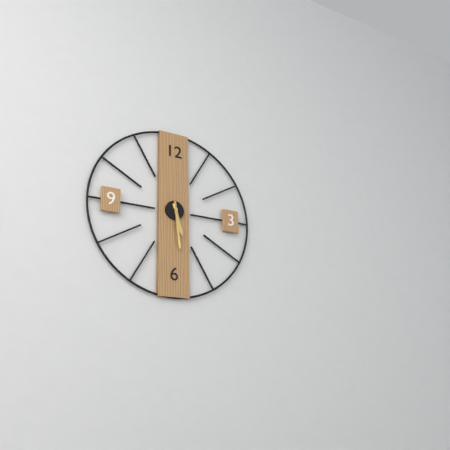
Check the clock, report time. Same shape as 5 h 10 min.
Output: 5 h 29 min
